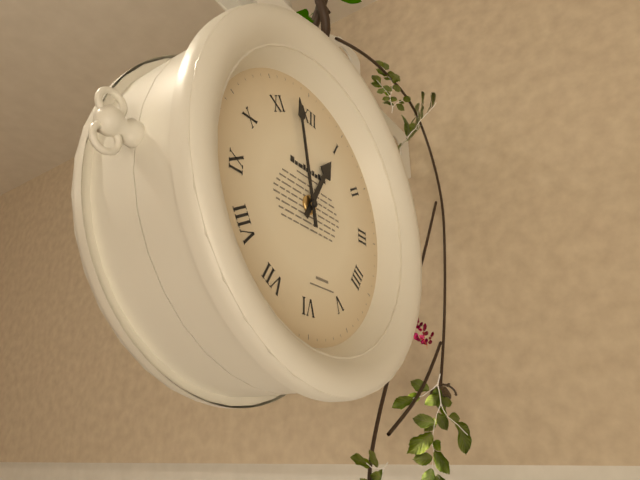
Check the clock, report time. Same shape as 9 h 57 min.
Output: 12 h 58 min
